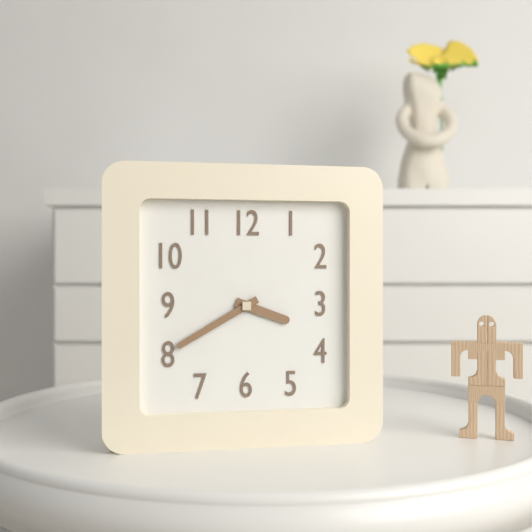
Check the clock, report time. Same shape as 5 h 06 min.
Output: 3 h 40 min
